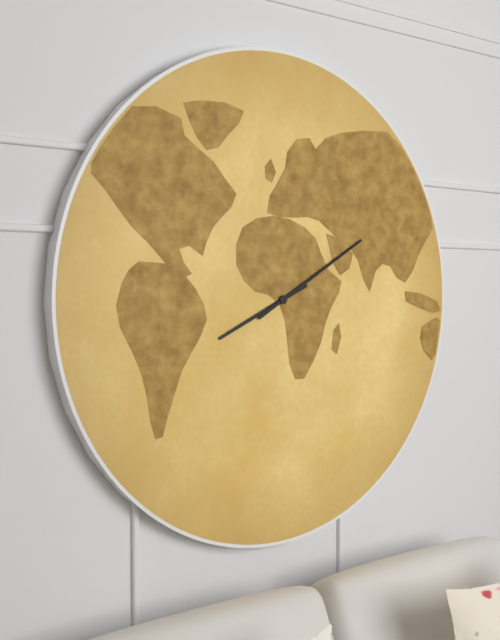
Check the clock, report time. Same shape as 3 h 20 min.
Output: 8 h 10 min
